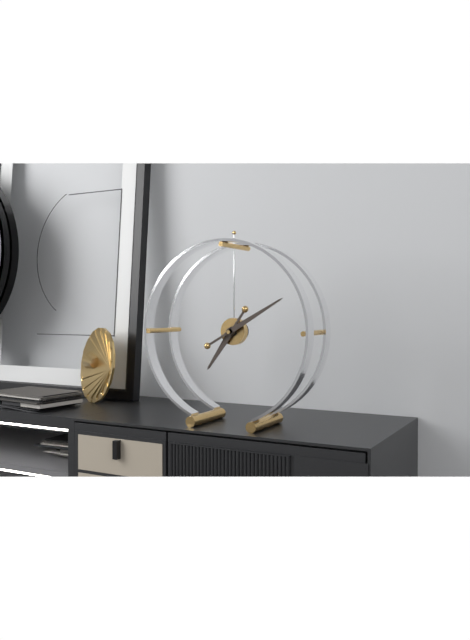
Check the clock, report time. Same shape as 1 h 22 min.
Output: 7 h 10 min
